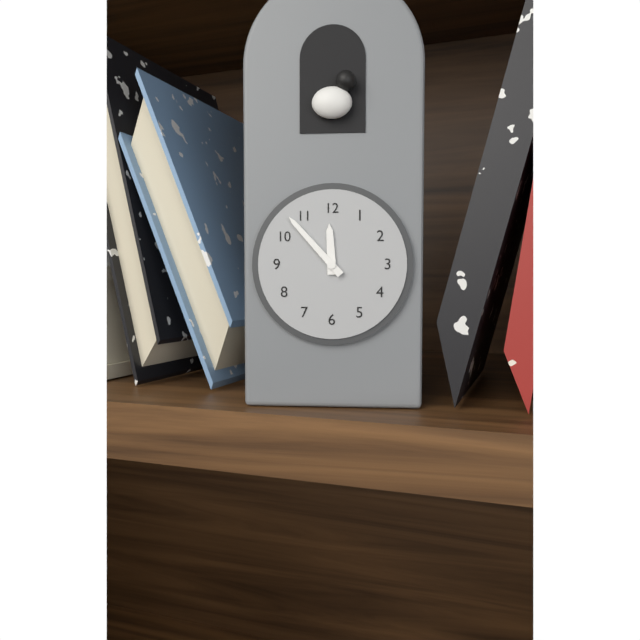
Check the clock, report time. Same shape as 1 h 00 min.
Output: 11 h 53 min
